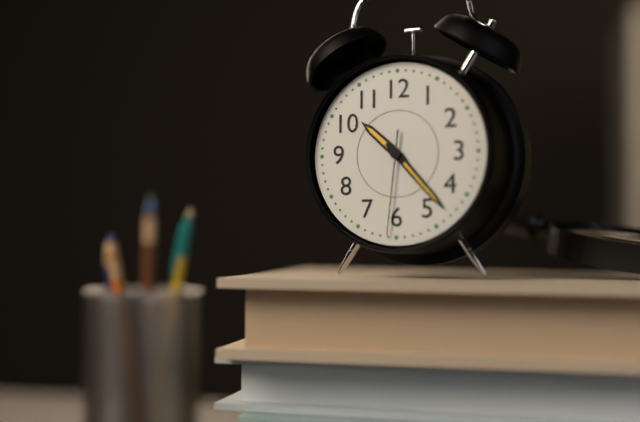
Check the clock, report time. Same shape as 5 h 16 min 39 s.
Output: 10 h 23 min 31 s
